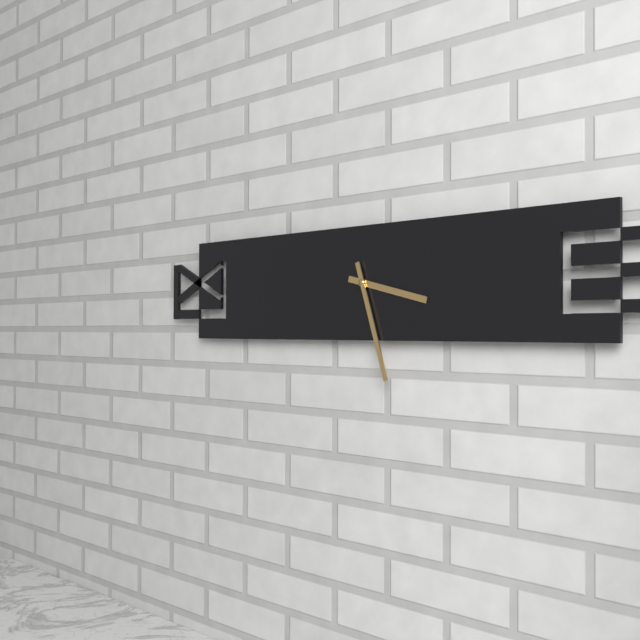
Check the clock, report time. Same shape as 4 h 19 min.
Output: 3 h 27 min
